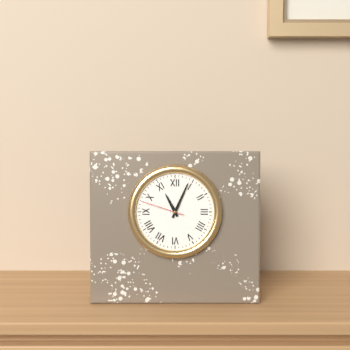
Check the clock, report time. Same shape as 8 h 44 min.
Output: 11 h 04 min
